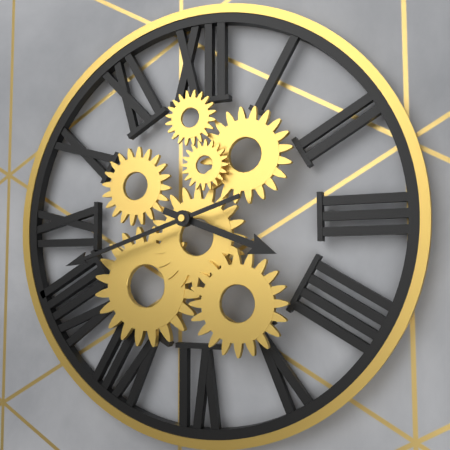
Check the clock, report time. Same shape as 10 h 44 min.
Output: 3 h 42 min
